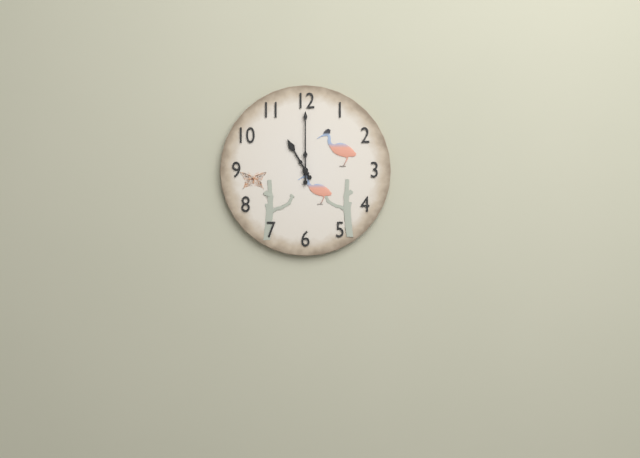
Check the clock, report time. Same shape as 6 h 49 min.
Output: 11 h 00 min
